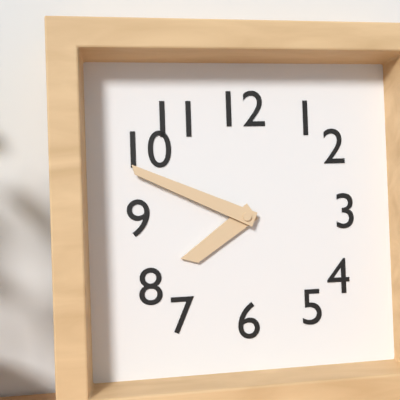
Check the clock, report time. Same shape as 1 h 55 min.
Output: 7 h 49 min
